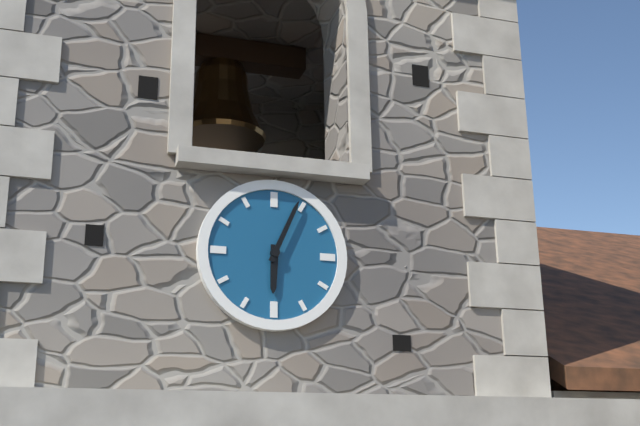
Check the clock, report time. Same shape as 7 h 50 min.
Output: 6 h 04 min
